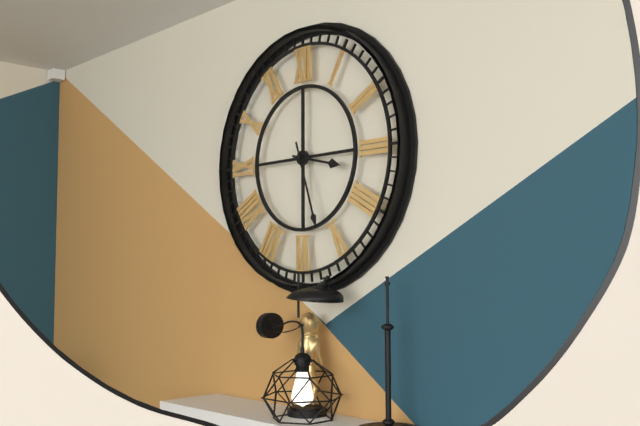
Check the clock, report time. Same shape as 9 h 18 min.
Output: 3 h 27 min
